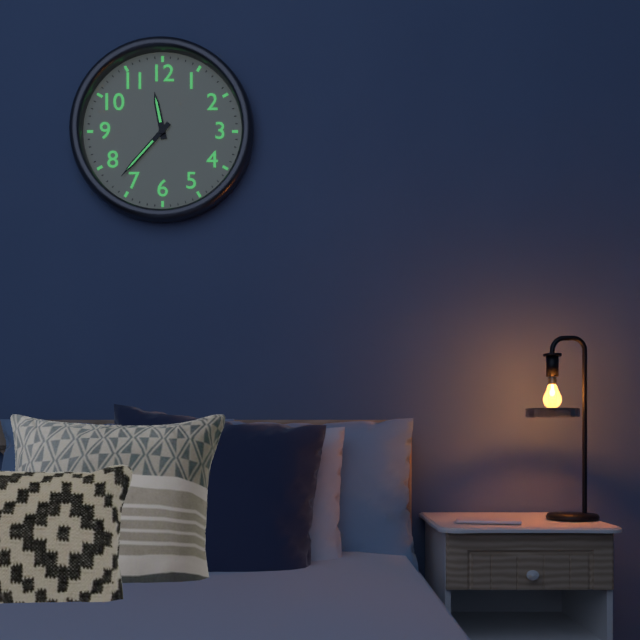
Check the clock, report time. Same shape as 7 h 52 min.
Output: 11 h 37 min
